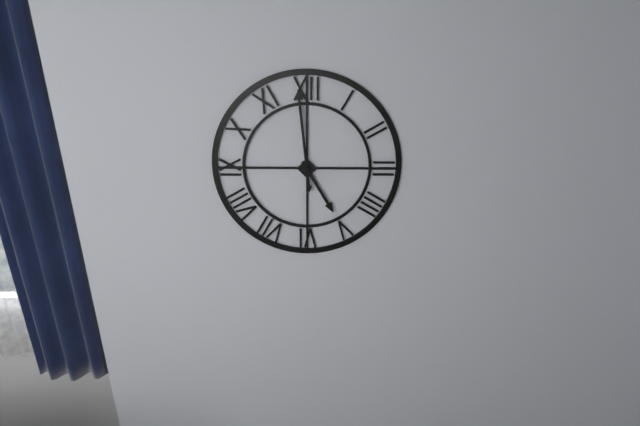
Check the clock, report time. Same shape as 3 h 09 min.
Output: 4 h 59 min
